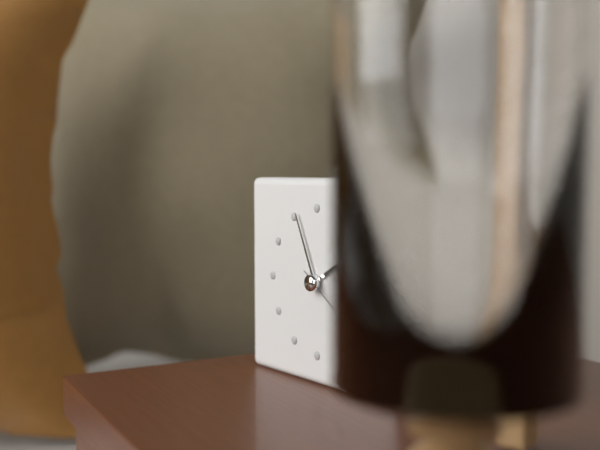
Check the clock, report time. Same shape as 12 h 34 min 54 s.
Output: 1 h 56 min 21 s
